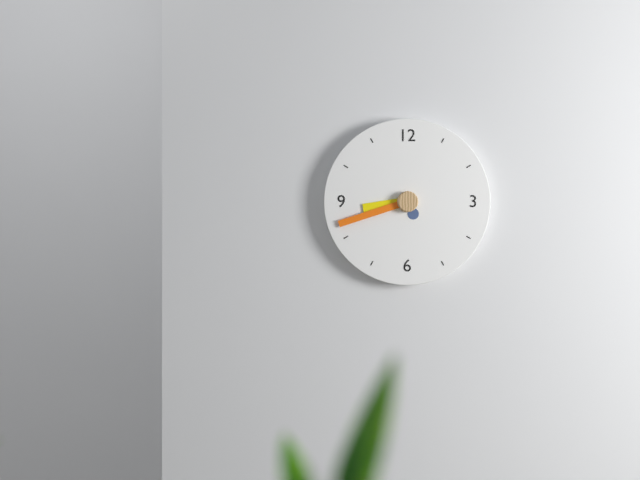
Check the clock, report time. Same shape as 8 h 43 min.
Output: 8 h 42 min
